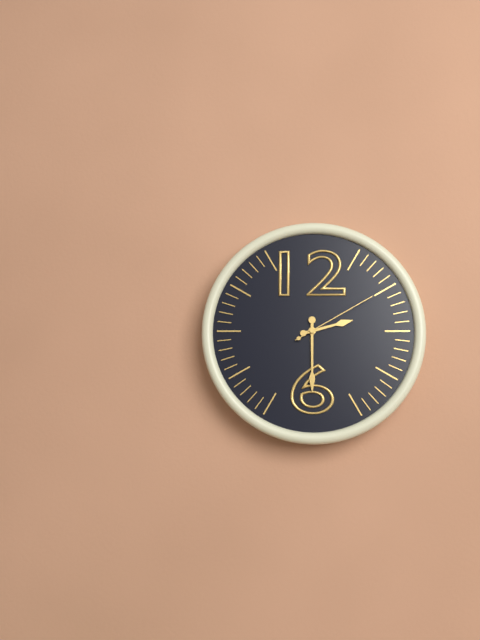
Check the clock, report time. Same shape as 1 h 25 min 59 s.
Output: 2 h 30 min 10 s
